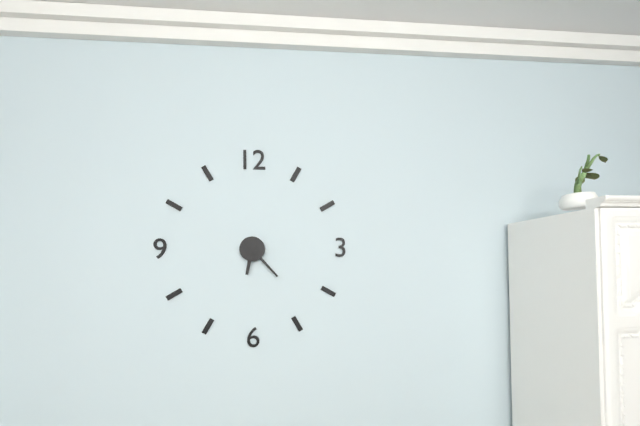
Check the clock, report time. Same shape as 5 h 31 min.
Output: 6 h 23 min
